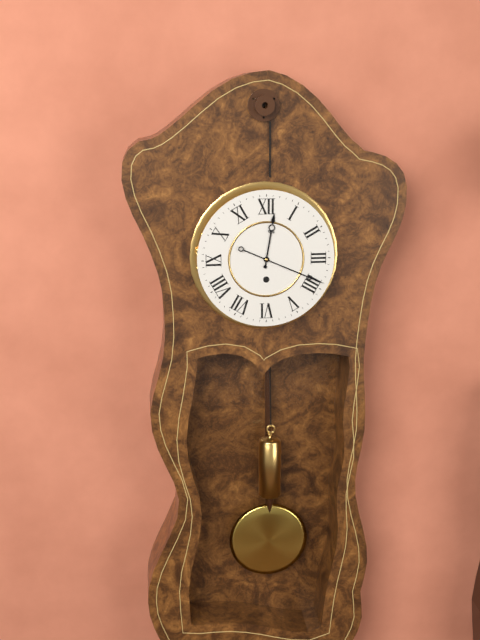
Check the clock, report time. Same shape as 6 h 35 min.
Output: 12 h 19 min
